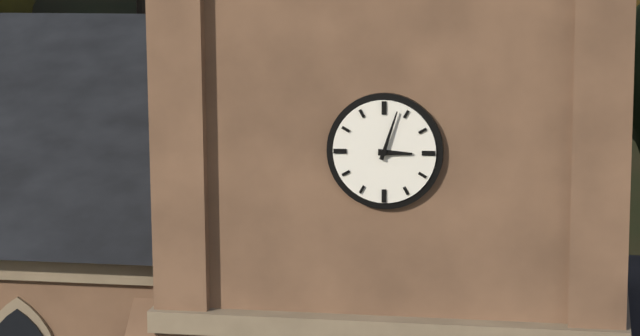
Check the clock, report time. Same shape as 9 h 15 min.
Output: 3 h 03 min
